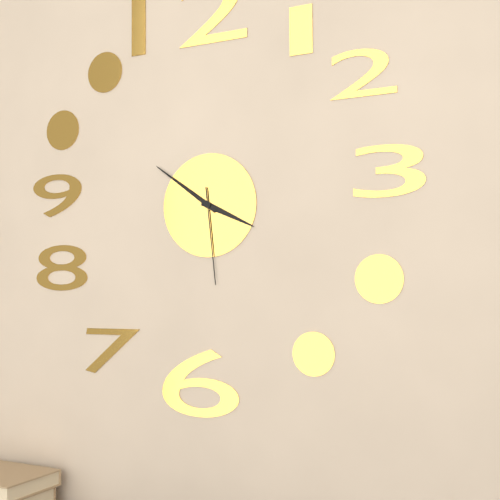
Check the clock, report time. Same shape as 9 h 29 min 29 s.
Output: 3 h 51 min 29 s
